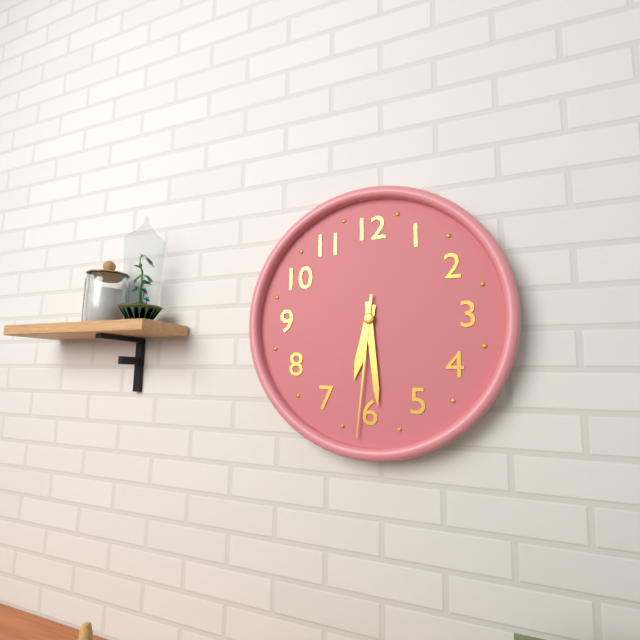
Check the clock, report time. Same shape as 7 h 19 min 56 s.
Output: 6 h 29 min 31 s
